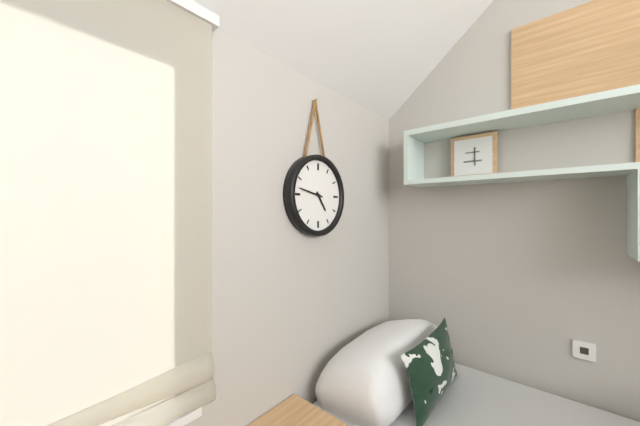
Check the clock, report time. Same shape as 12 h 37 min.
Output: 4 h 47 min
